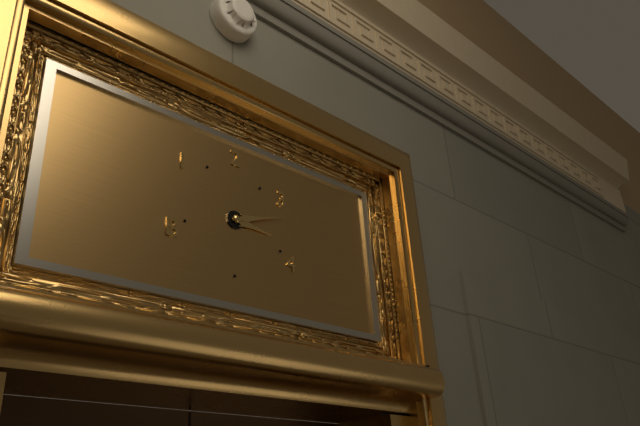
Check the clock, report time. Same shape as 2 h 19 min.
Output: 3 h 12 min
